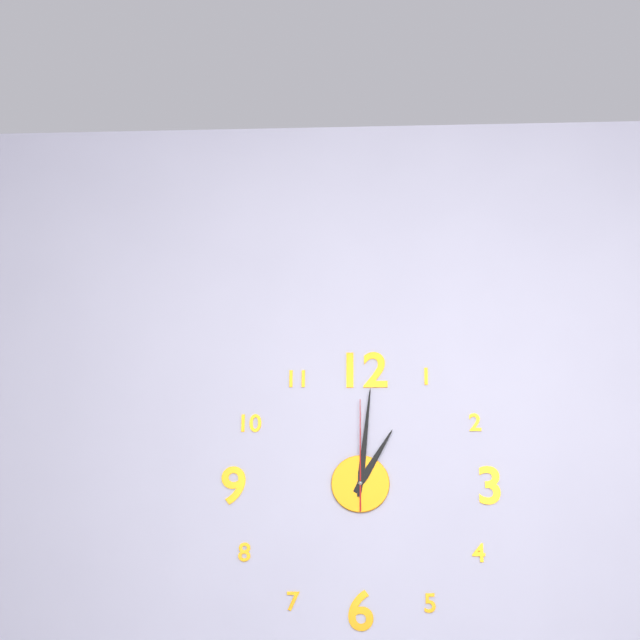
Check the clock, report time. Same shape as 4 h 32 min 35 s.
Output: 1 h 01 min 00 s
